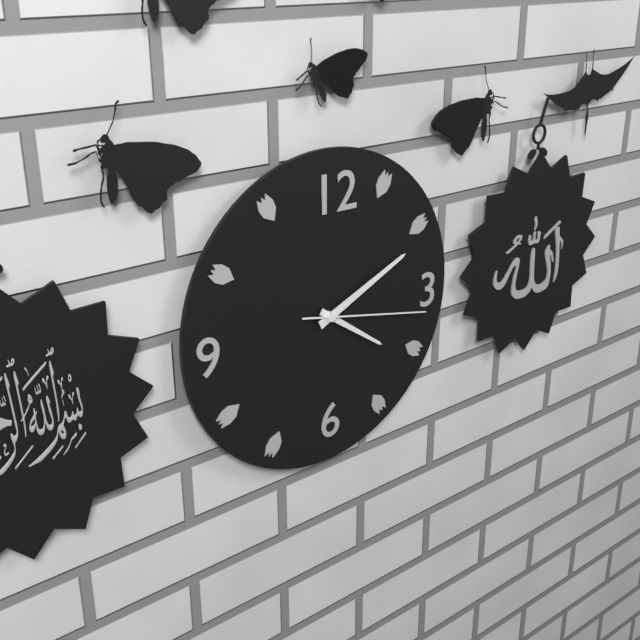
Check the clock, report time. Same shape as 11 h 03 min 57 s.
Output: 4 h 11 min 17 s
